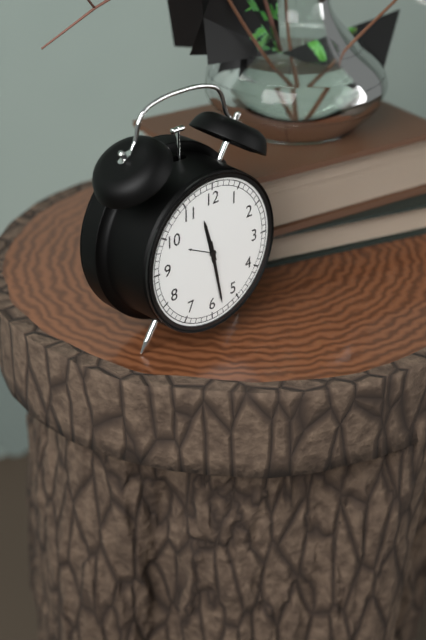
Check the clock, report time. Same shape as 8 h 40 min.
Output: 11 h 28 min
